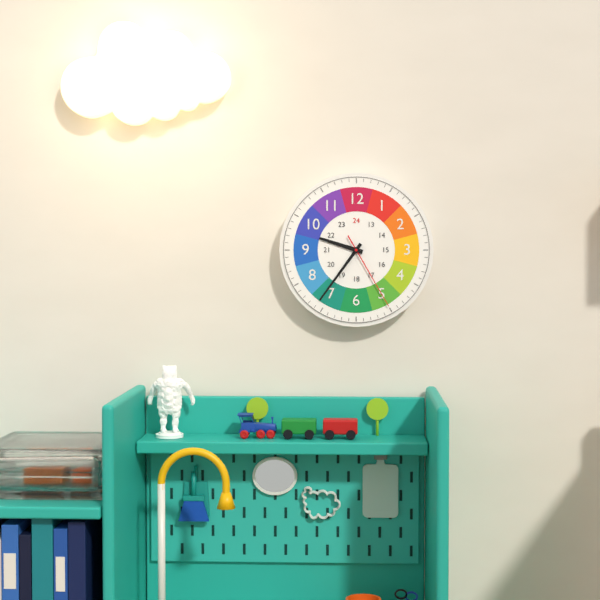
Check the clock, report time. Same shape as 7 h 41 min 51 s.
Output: 9 h 36 min 25 s
